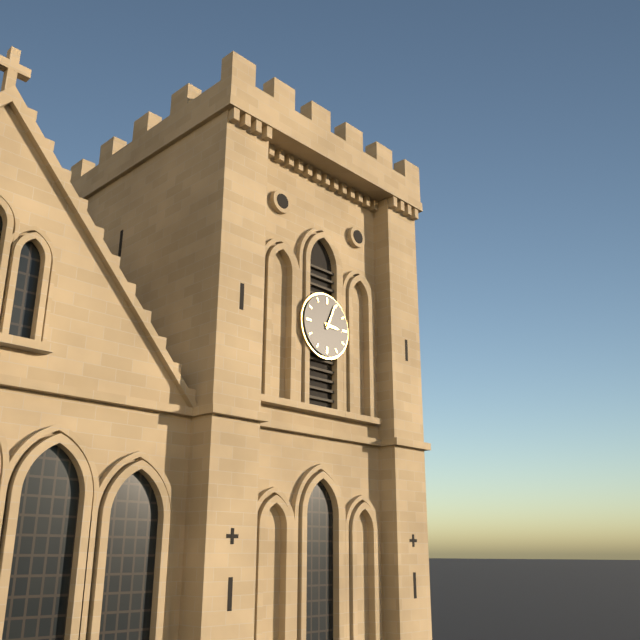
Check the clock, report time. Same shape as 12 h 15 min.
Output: 3 h 04 min
